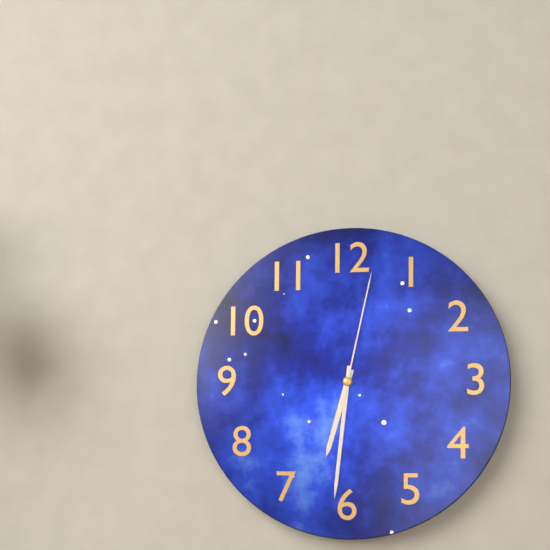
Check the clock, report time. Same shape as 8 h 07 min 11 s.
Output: 6 h 31 min 02 s
